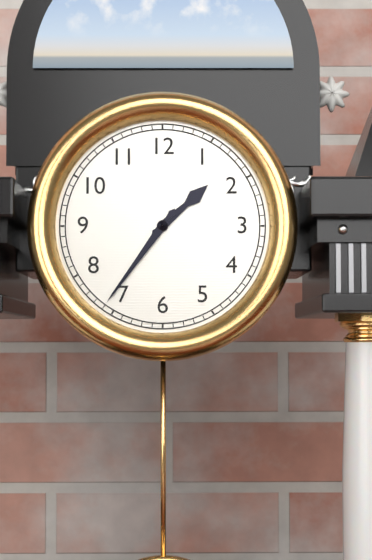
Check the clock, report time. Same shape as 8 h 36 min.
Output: 1 h 36 min
